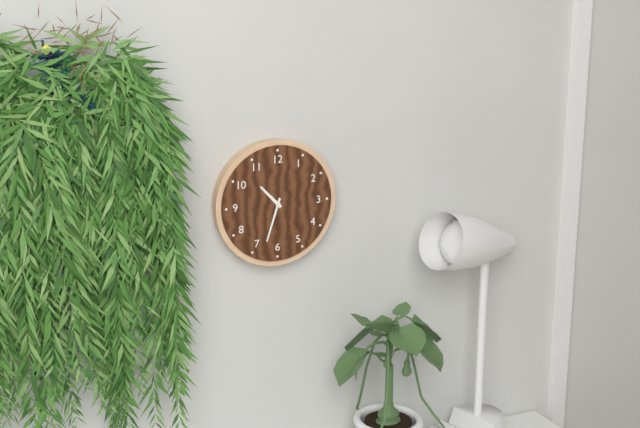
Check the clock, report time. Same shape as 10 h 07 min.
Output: 10 h 33 min
